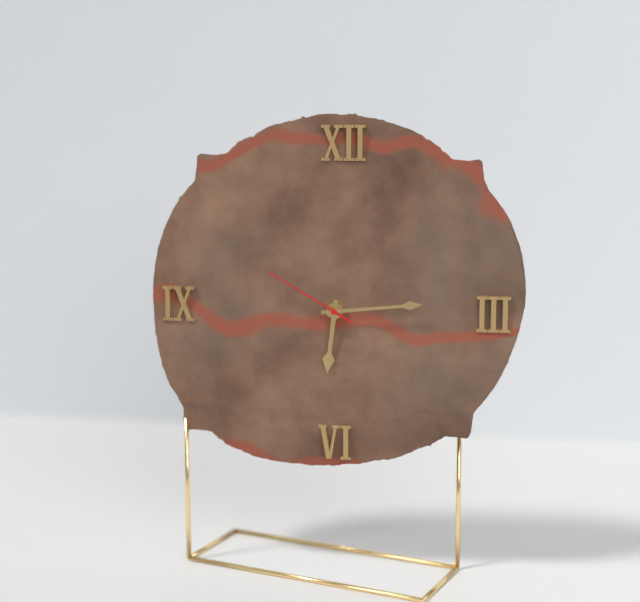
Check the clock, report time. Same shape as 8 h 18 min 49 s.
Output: 6 h 14 min 50 s
